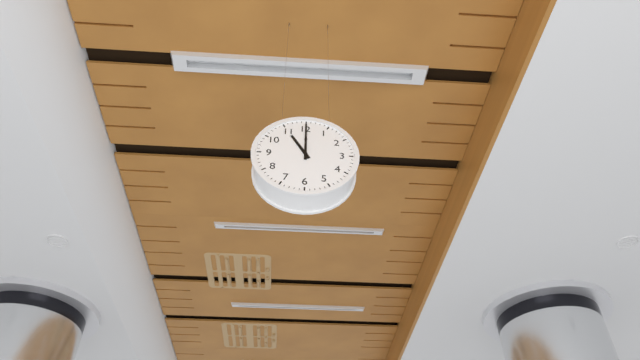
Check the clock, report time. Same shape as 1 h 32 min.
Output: 11 h 00 min
